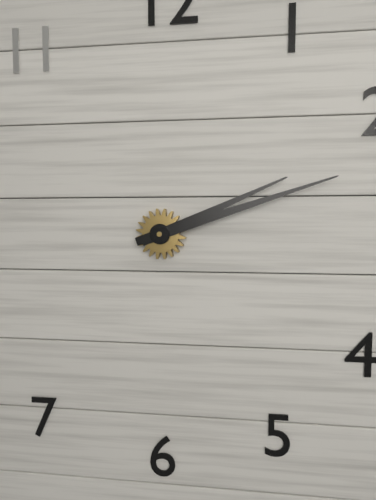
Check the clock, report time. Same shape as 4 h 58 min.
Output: 2 h 12 min
